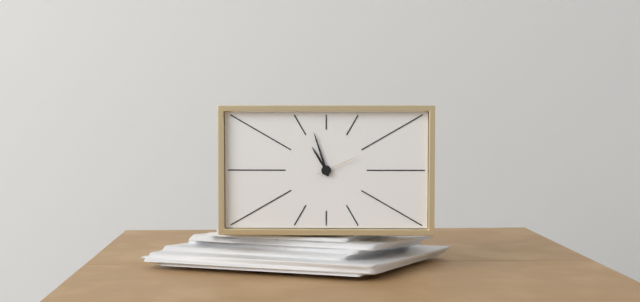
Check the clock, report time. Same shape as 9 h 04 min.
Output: 10 h 57 min
